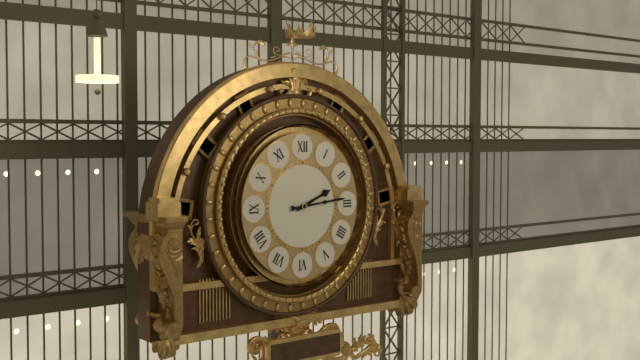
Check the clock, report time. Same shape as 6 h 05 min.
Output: 2 h 14 min
